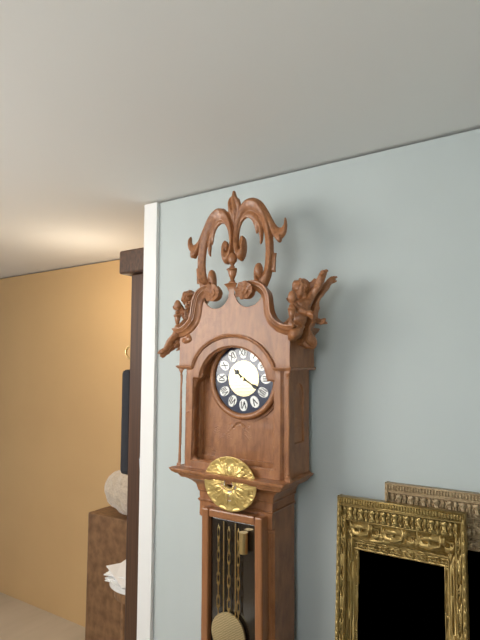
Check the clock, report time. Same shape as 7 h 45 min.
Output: 10 h 20 min
